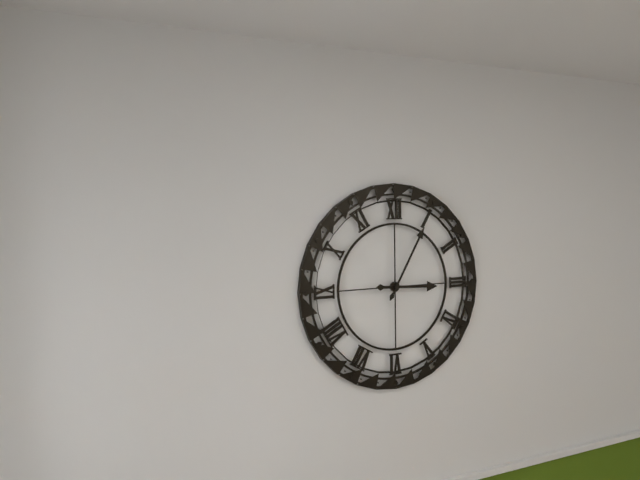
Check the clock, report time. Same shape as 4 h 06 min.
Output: 3 h 05 min
